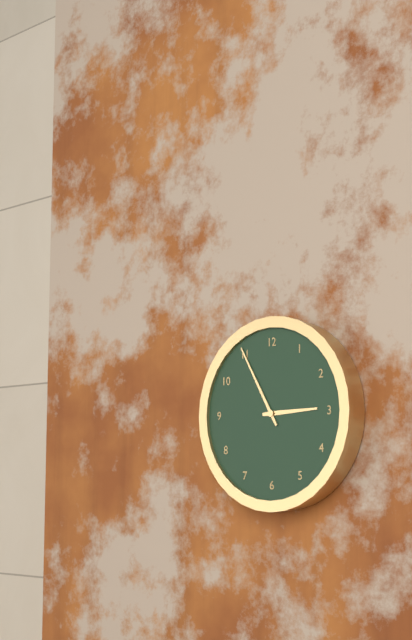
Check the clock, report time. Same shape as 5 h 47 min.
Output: 2 h 55 min
